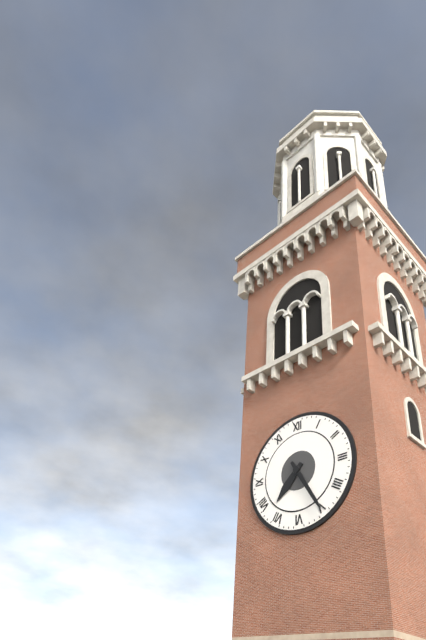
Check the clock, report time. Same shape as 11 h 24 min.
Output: 7 h 25 min
